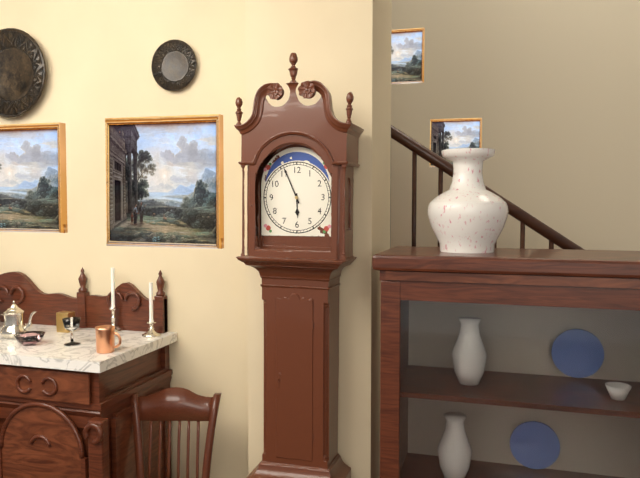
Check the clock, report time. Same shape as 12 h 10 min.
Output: 5 h 56 min
